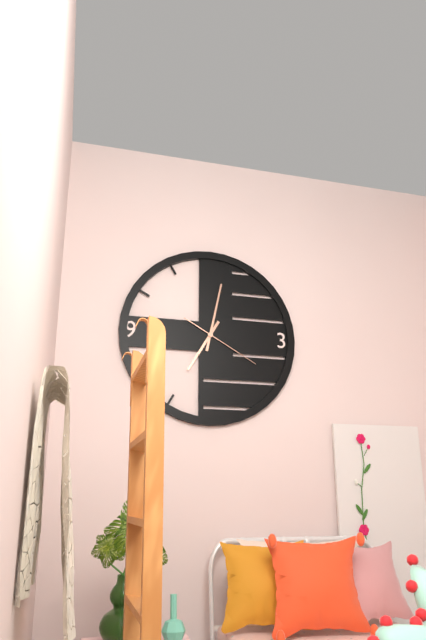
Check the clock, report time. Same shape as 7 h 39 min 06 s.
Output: 7 h 02 min 20 s
